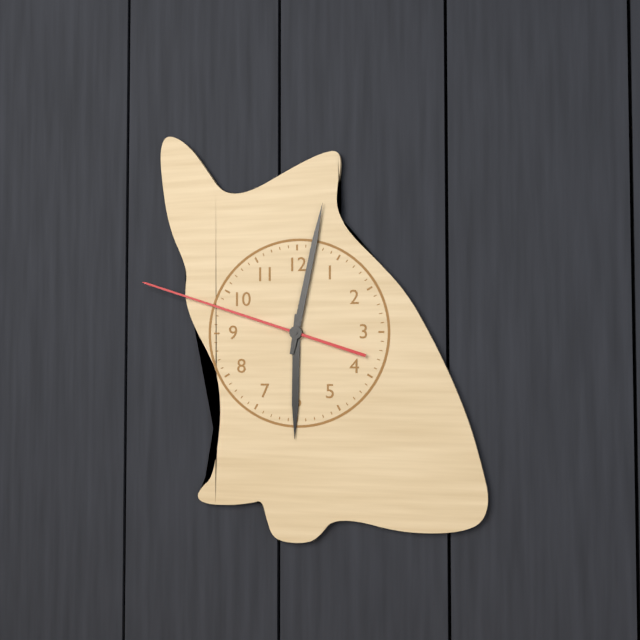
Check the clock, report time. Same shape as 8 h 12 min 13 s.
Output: 6 h 02 min 48 s
